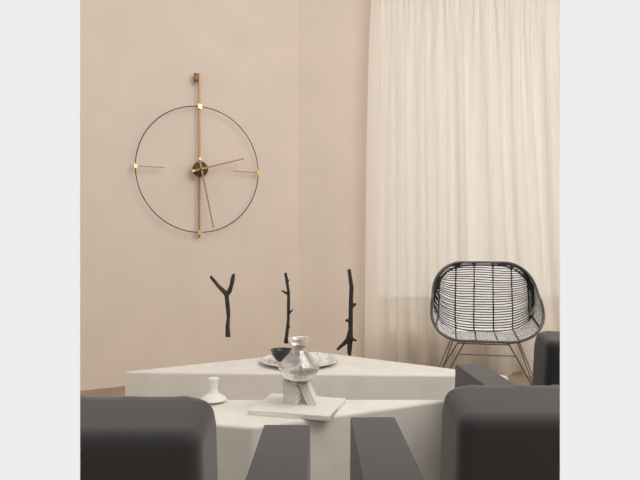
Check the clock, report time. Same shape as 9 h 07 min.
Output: 2 h 28 min
